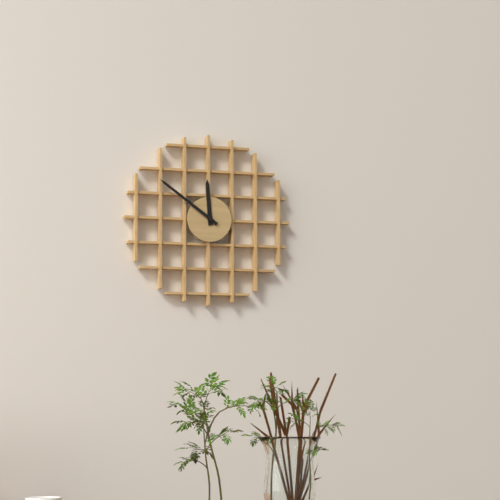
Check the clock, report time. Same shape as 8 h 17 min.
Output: 11 h 51 min
